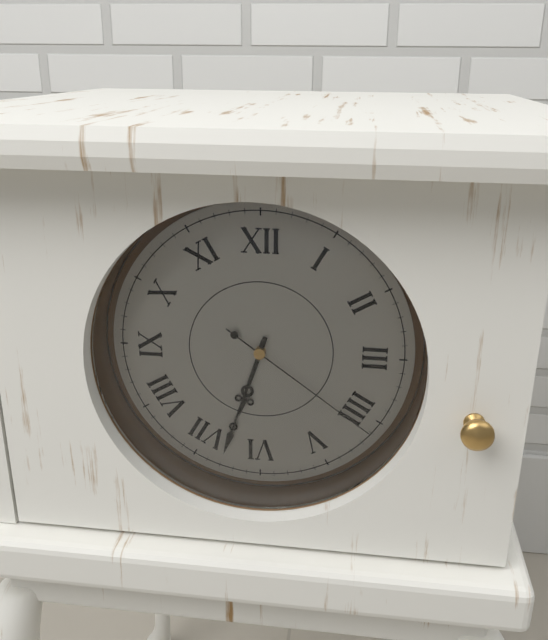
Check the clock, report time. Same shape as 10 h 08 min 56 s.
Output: 6 h 33 min 21 s
